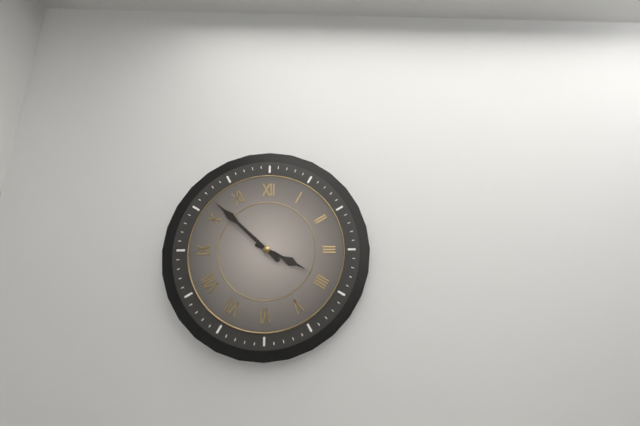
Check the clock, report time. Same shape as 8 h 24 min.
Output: 3 h 52 min
